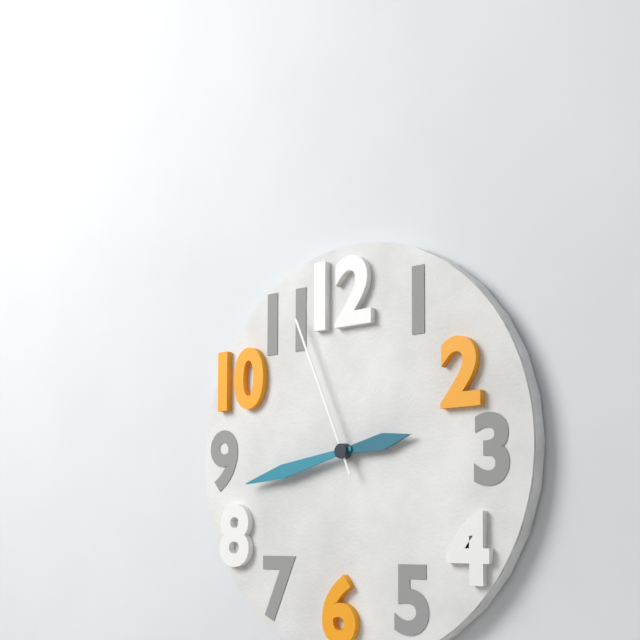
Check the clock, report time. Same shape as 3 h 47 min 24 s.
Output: 2 h 43 min 56 s
